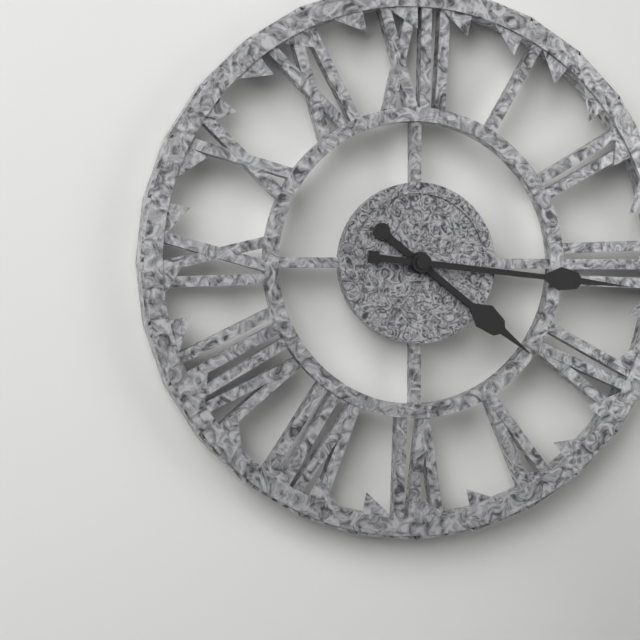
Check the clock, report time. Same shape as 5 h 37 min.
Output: 4 h 16 min
